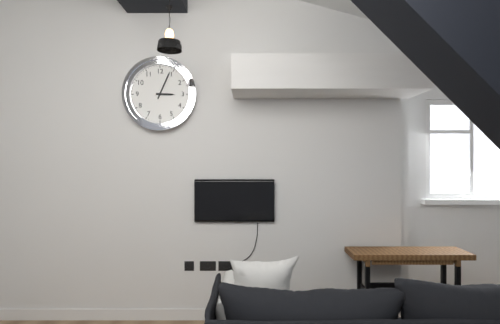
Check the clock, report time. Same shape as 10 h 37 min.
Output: 3 h 04 min
